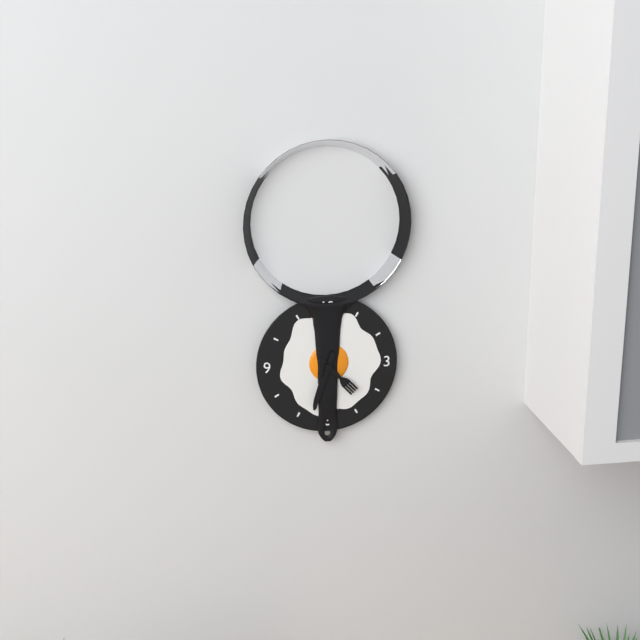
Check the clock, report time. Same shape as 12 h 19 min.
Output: 4 h 33 min
